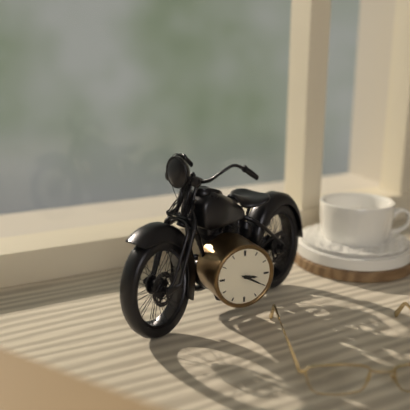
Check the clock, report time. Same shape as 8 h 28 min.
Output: 3 h 20 min
